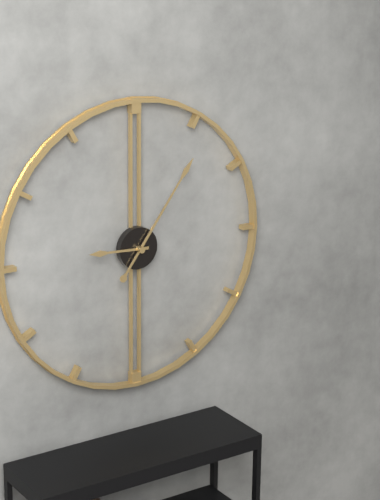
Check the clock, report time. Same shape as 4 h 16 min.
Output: 9 h 06 min
